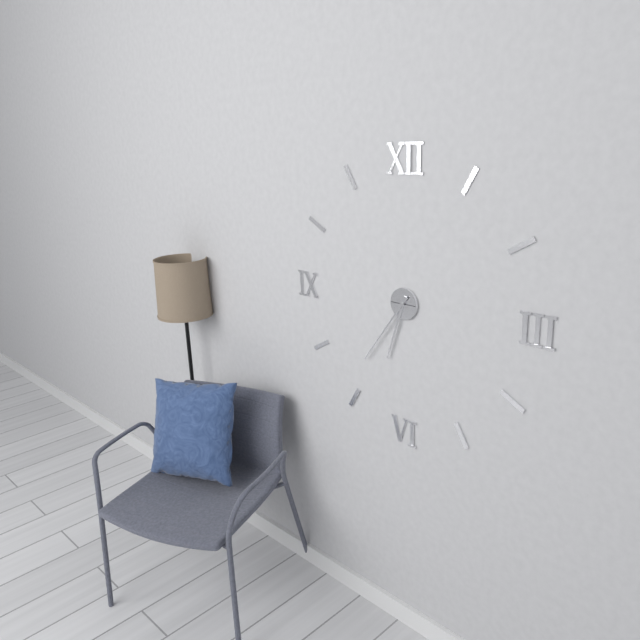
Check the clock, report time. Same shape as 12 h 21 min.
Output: 6 h 36 min
